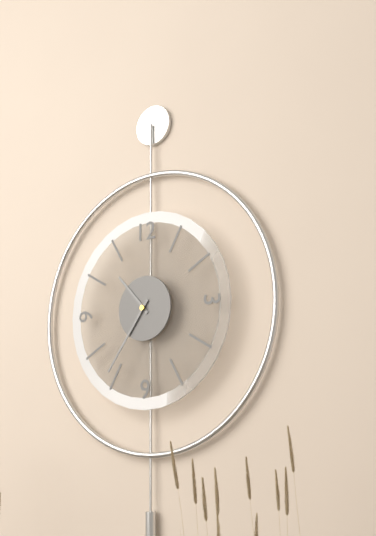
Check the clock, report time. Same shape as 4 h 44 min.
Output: 10 h 36 min
